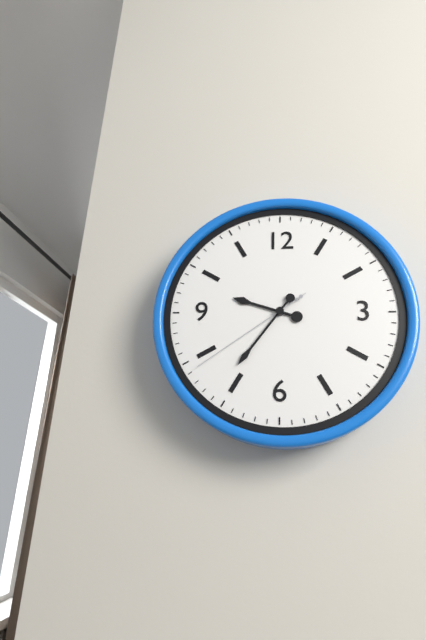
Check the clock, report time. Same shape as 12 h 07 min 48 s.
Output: 9 h 36 min 39 s
